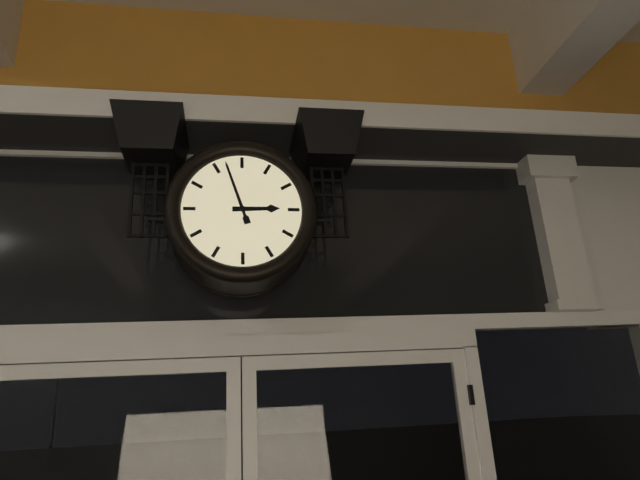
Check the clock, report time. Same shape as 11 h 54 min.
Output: 2 h 57 min
